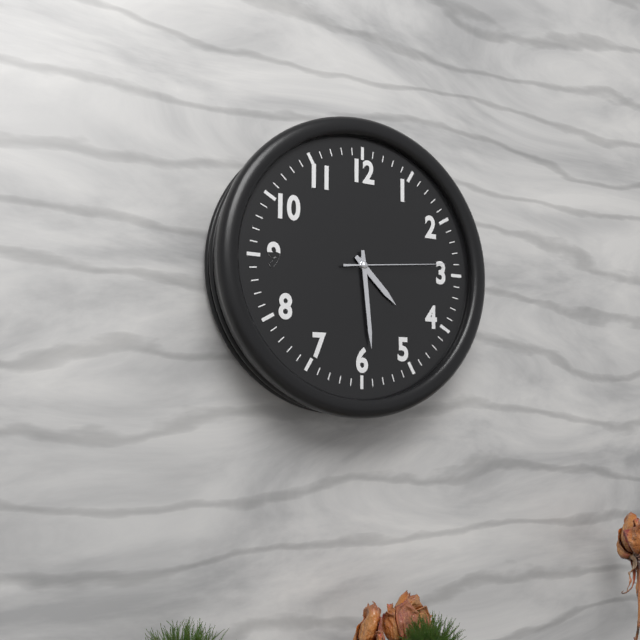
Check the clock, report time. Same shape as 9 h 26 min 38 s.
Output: 4 h 29 min 14 s
